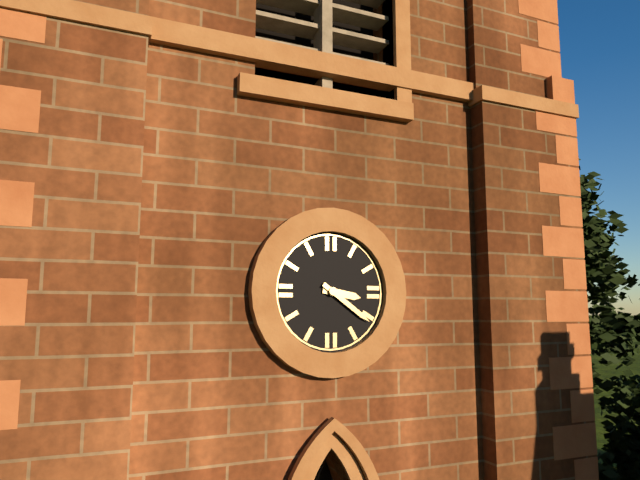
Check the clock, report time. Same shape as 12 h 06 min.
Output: 3 h 21 min
